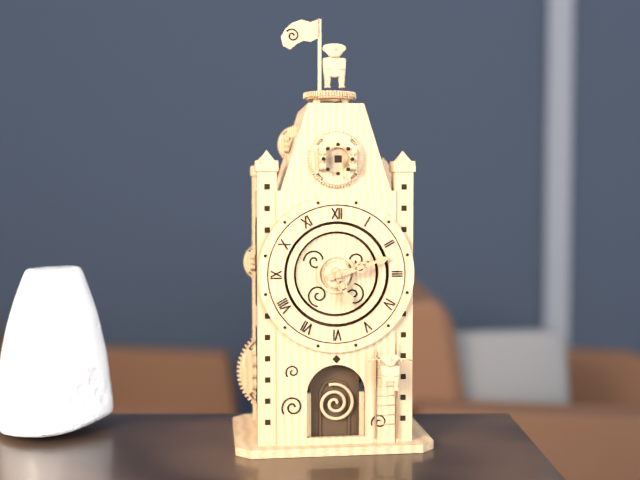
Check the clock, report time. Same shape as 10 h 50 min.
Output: 5 h 12 min
